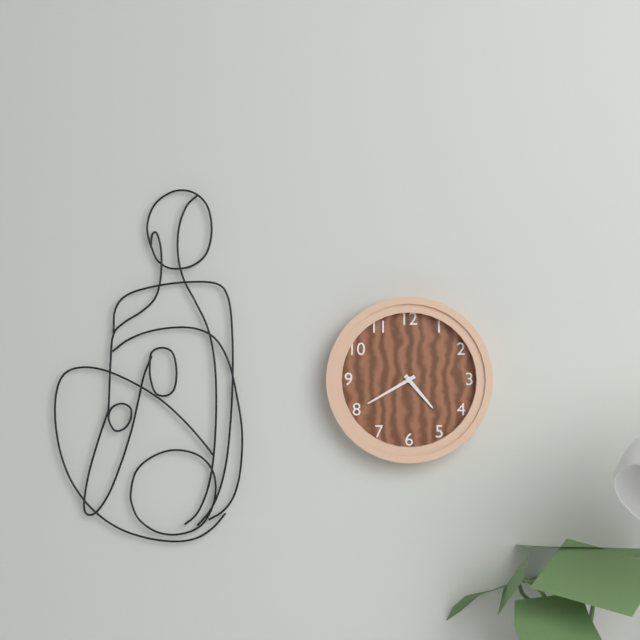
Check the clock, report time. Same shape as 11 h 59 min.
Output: 4 h 40 min
